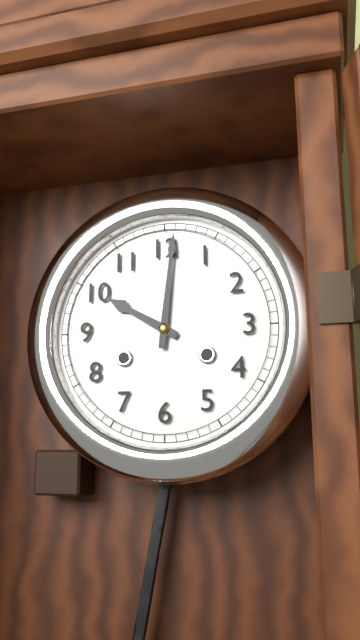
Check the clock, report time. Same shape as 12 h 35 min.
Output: 10 h 01 min
